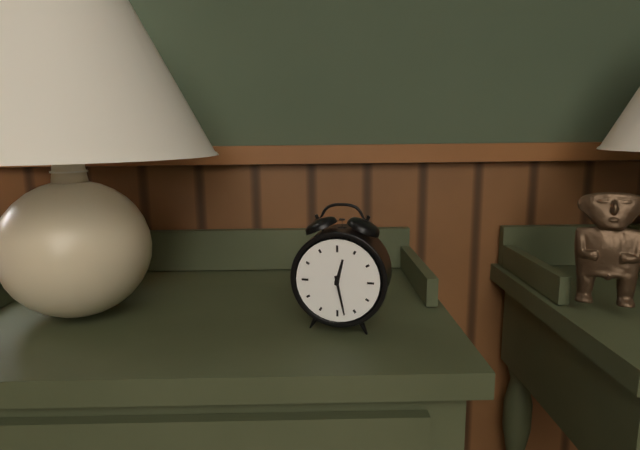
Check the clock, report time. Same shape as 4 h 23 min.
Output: 12 h 28 min
